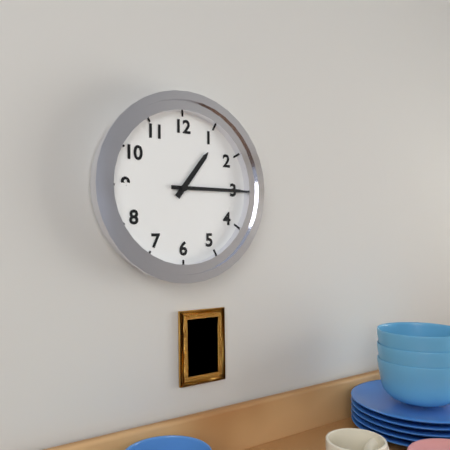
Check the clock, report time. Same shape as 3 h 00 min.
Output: 1 h 15 min
